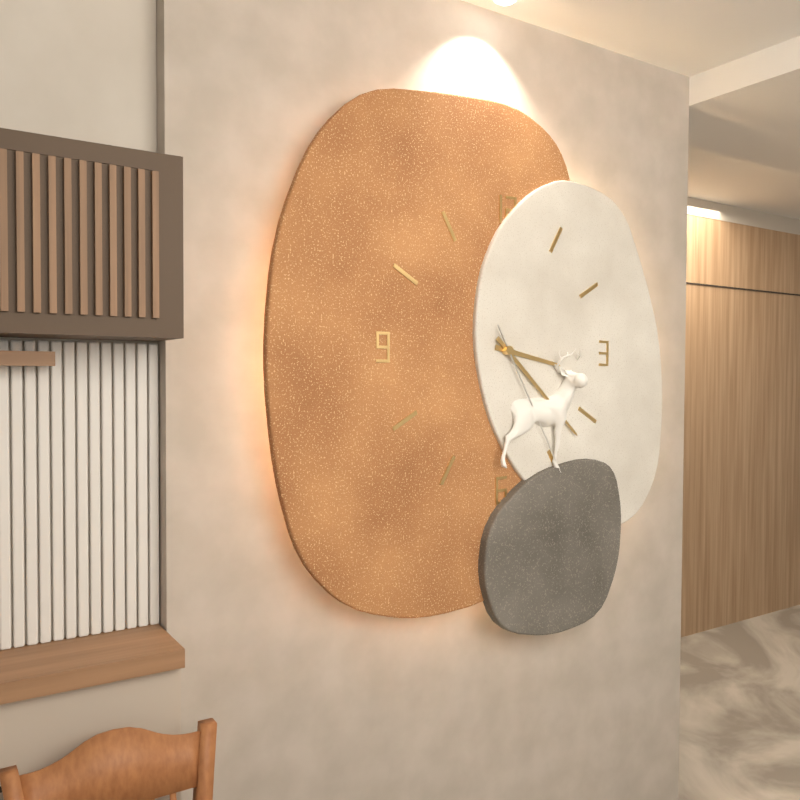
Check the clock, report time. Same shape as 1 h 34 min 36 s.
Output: 3 h 22 min 25 s
